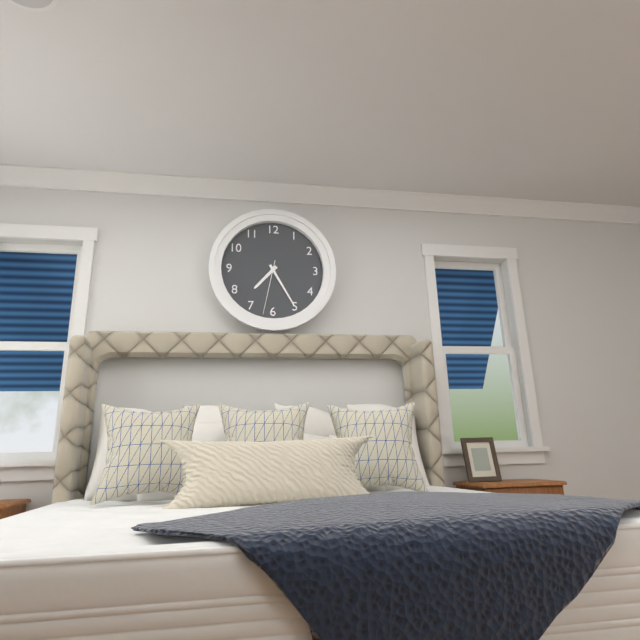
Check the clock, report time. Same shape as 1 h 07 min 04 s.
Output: 7 h 25 min 32 s
